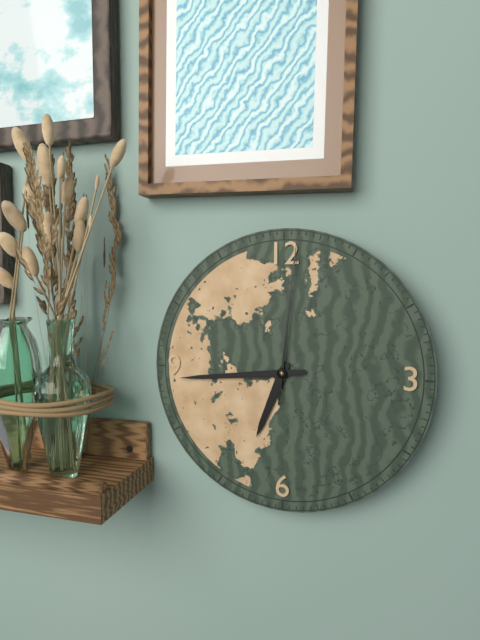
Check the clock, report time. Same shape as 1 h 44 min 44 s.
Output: 6 h 44 min 01 s
